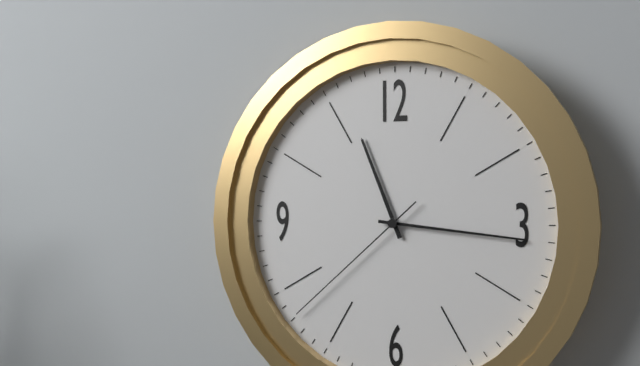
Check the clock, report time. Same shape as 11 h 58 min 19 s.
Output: 11 h 16 min 38 s
